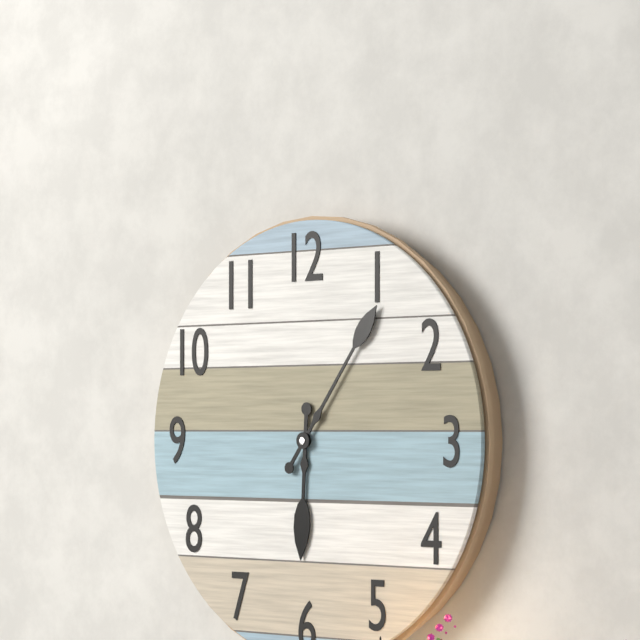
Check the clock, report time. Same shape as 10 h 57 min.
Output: 6 h 06 min
